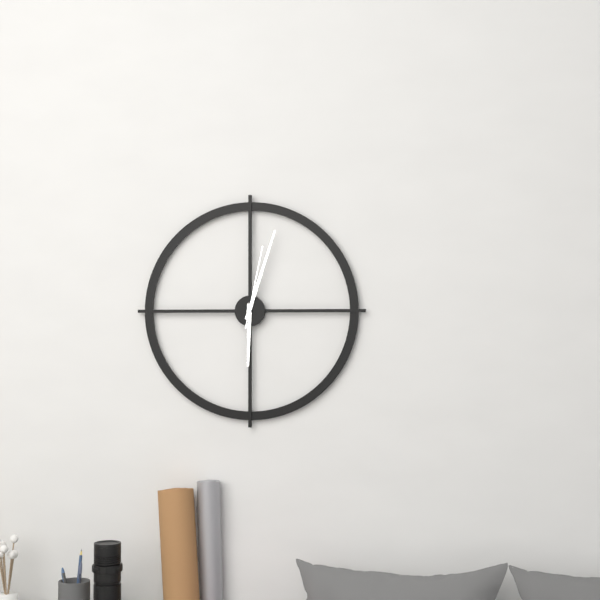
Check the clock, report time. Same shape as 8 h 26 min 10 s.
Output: 6 h 03 min 02 s
